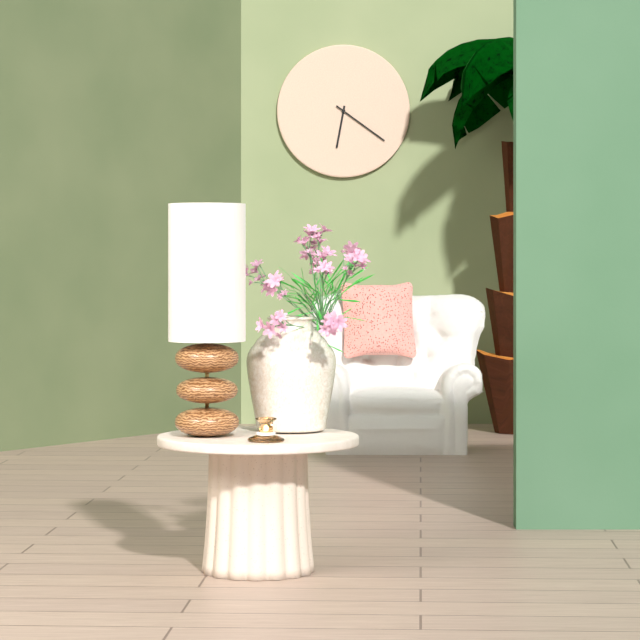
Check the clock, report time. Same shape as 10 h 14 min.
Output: 6 h 21 min
